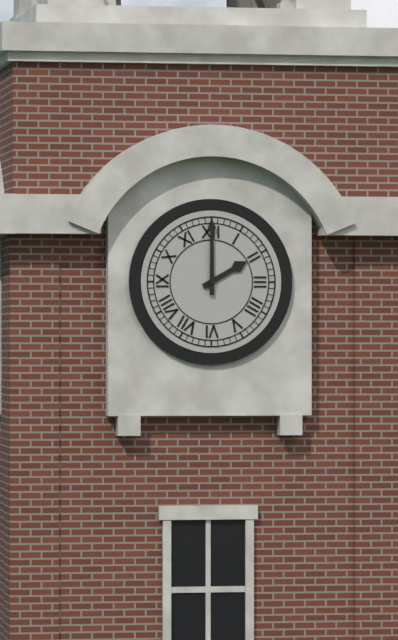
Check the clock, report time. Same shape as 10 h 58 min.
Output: 2 h 00 min
